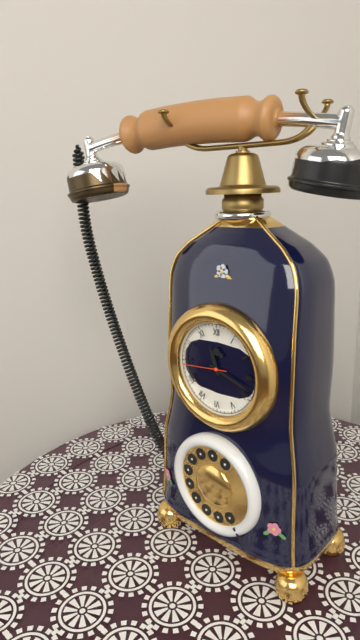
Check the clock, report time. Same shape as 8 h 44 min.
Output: 11 h 18 min
